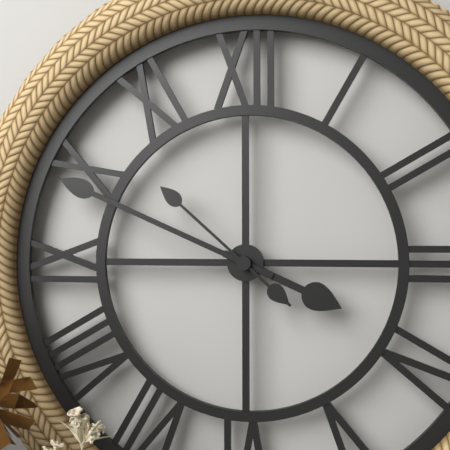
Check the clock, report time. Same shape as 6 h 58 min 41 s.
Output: 3 h 49 min 52 s
